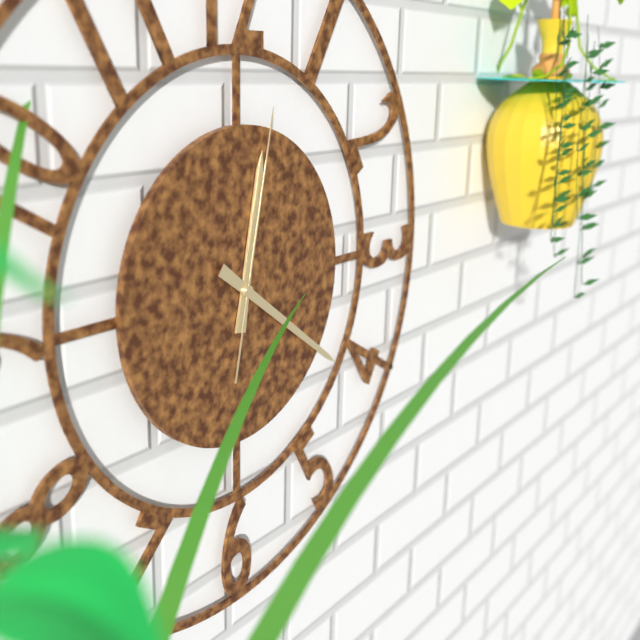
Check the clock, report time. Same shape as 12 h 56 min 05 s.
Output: 12 h 21 min 02 s
